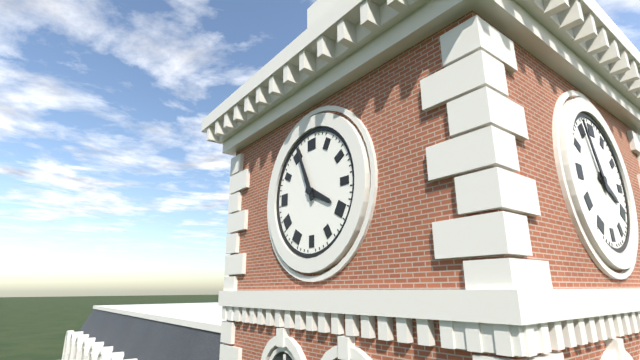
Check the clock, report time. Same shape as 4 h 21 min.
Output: 3 h 56 min
